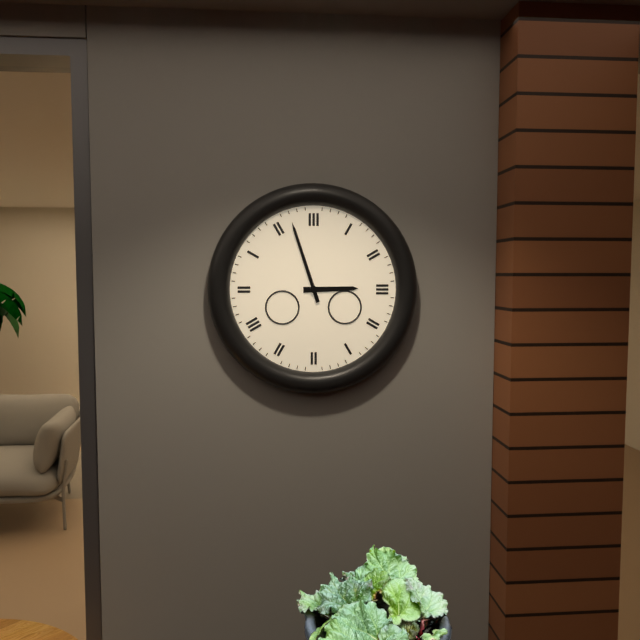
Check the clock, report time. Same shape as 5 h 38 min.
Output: 2 h 57 min
